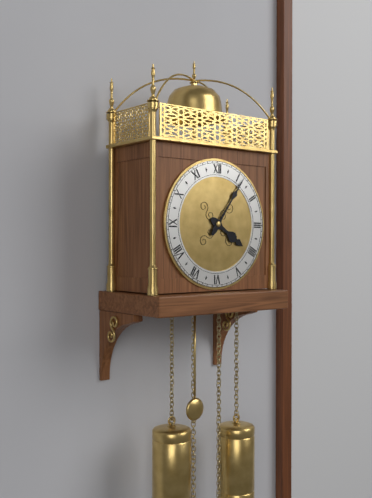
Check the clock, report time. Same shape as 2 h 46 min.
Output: 4 h 06 min
